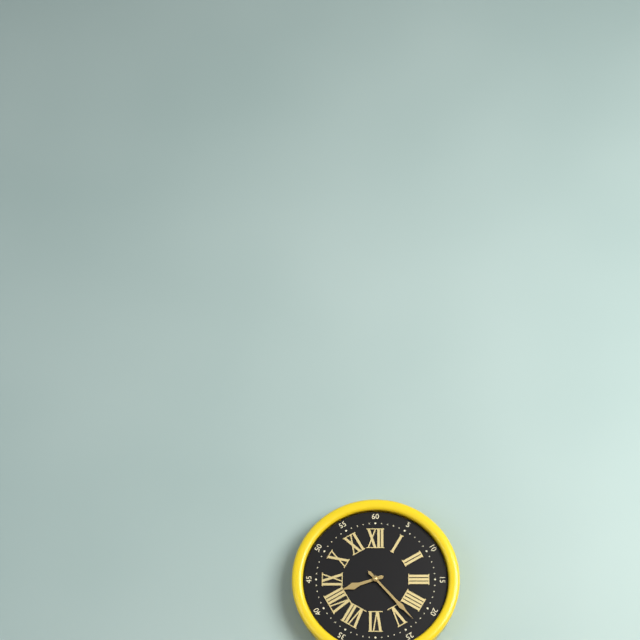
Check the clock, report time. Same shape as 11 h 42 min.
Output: 8 h 23 min
